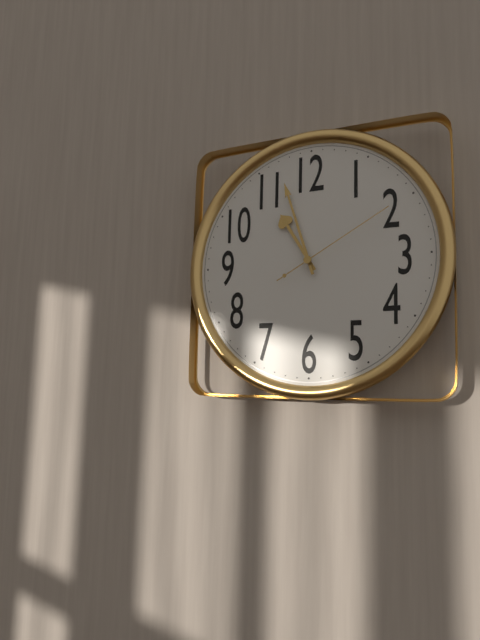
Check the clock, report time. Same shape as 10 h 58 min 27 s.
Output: 10 h 57 min 10 s
